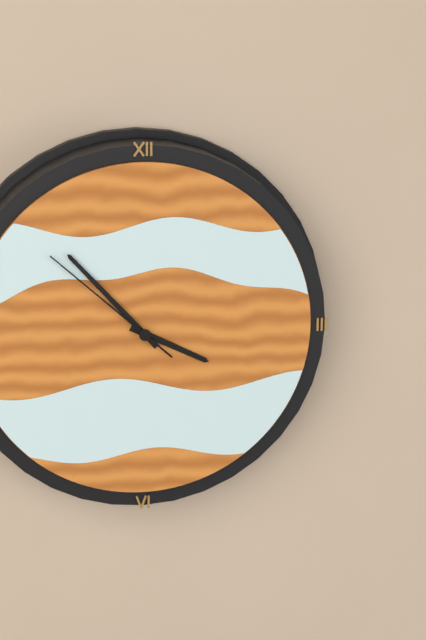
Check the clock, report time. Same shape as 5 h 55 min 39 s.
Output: 3 h 53 min 52 s
